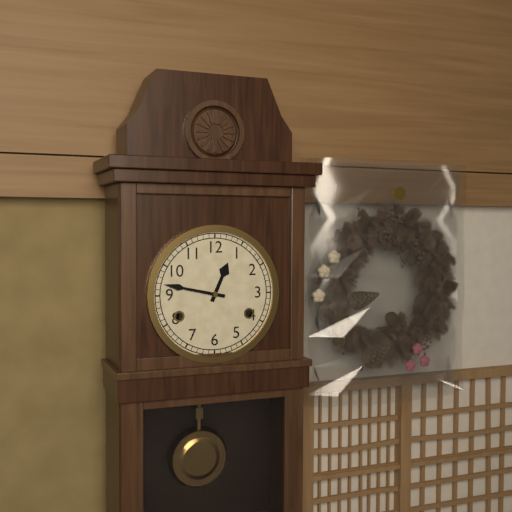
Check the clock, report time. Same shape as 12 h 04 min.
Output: 12 h 47 min
